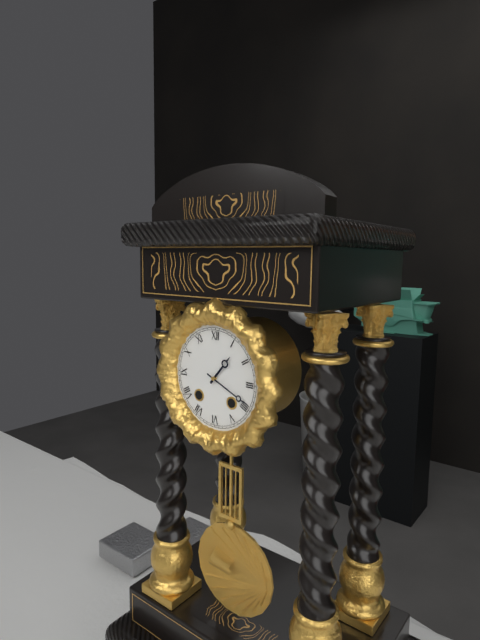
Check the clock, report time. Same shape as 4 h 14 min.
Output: 1 h 19 min
